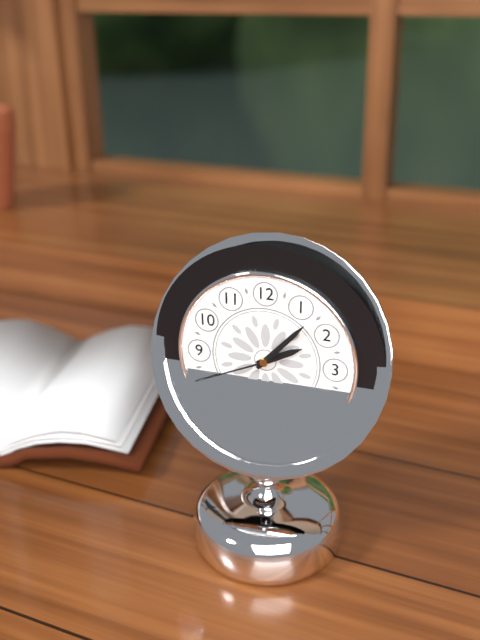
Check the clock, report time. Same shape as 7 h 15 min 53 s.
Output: 2 h 07 min 41 s
